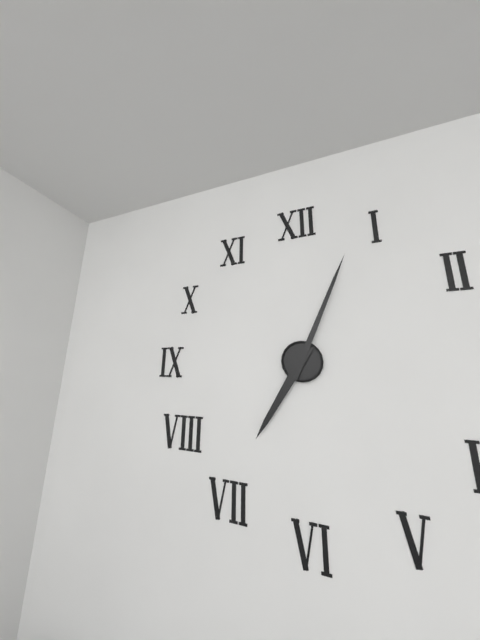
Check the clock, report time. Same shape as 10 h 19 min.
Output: 7 h 04 min
